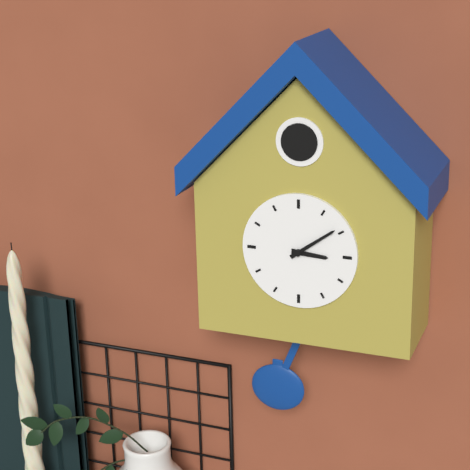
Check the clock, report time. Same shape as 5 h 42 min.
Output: 3 h 09 min
